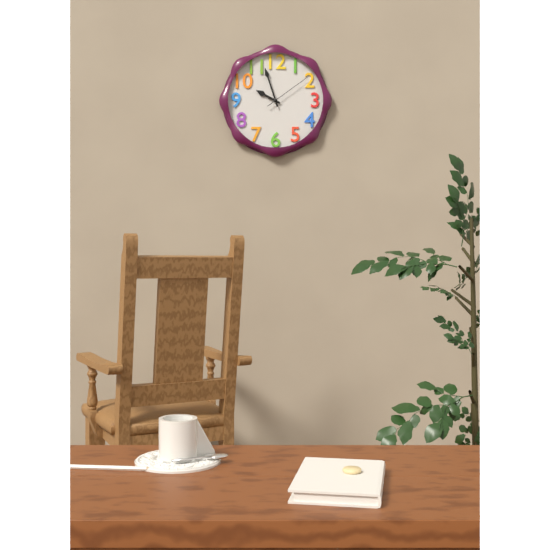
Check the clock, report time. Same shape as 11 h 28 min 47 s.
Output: 9 h 57 min 09 s
